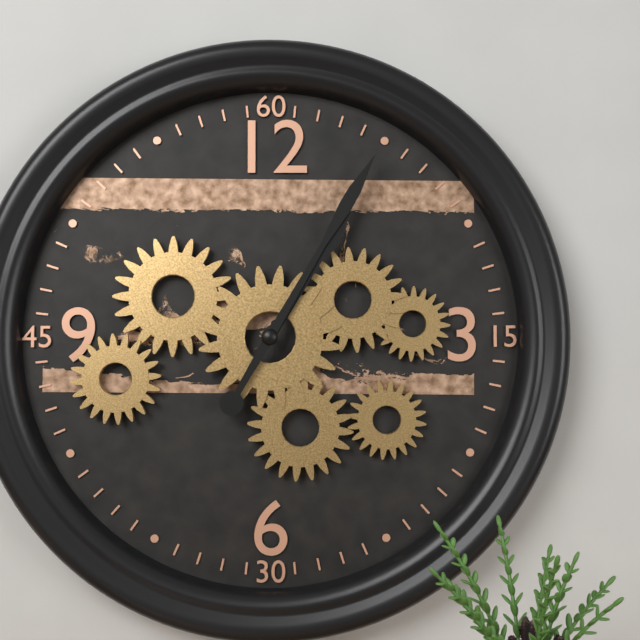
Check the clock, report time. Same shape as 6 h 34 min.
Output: 1 h 05 min
